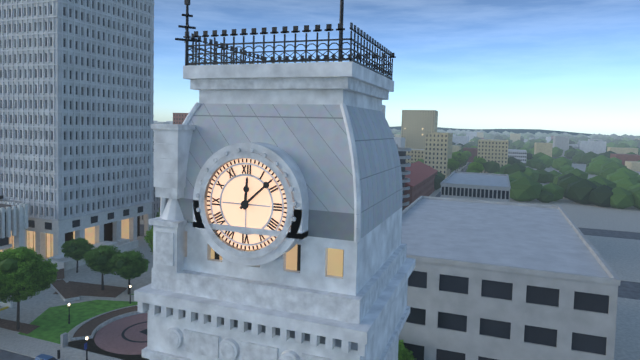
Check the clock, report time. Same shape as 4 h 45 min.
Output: 12 h 08 min
